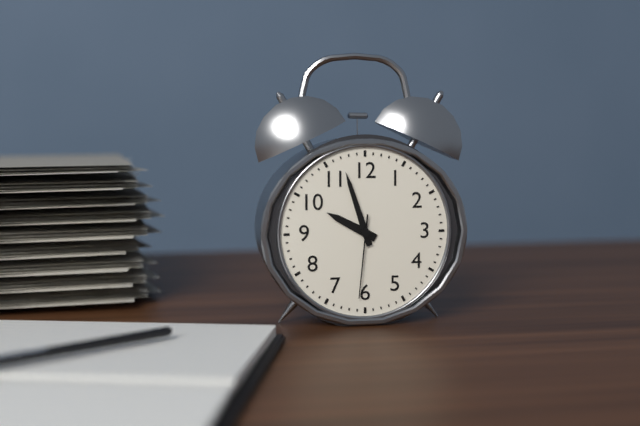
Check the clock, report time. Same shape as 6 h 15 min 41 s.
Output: 9 h 57 min 31 s
